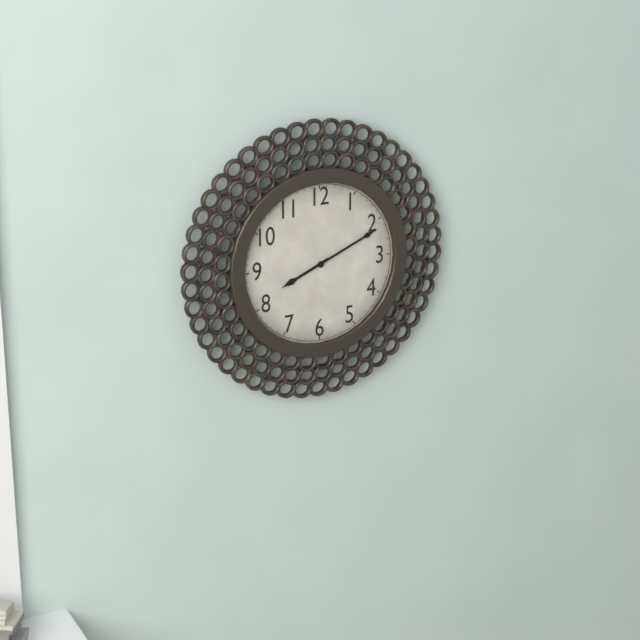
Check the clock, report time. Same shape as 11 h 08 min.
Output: 8 h 11 min
